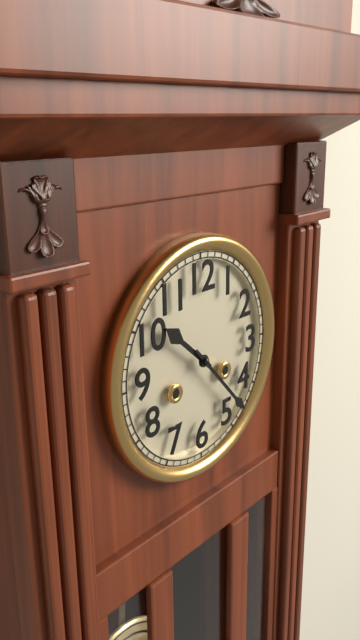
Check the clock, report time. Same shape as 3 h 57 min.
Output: 10 h 23 min
